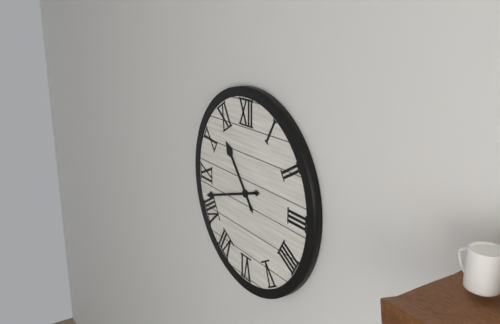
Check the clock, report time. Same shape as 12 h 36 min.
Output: 10 h 42 min
